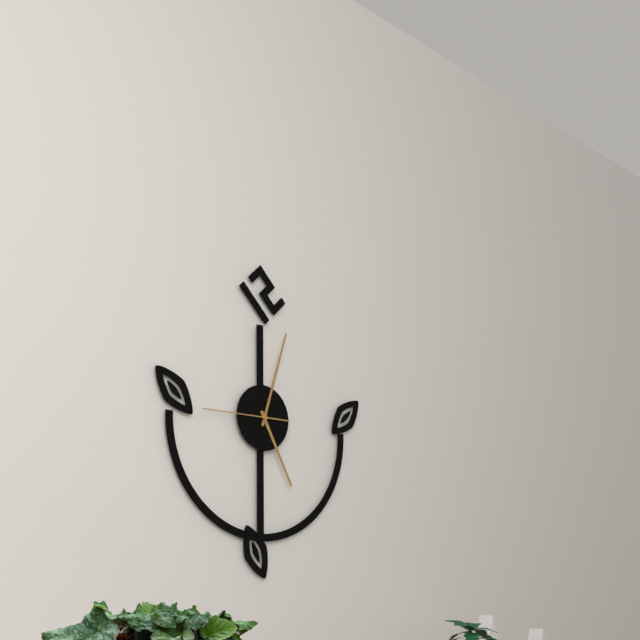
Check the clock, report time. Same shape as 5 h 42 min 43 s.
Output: 5 h 03 min 45 s
